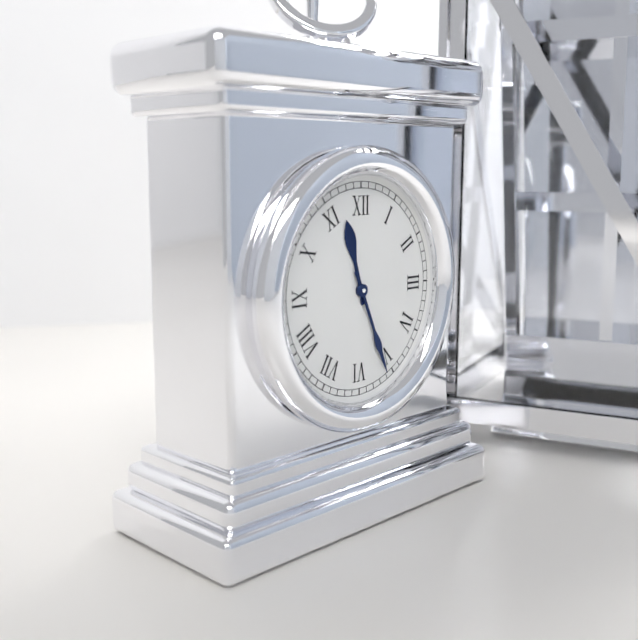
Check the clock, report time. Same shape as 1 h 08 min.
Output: 11 h 26 min
